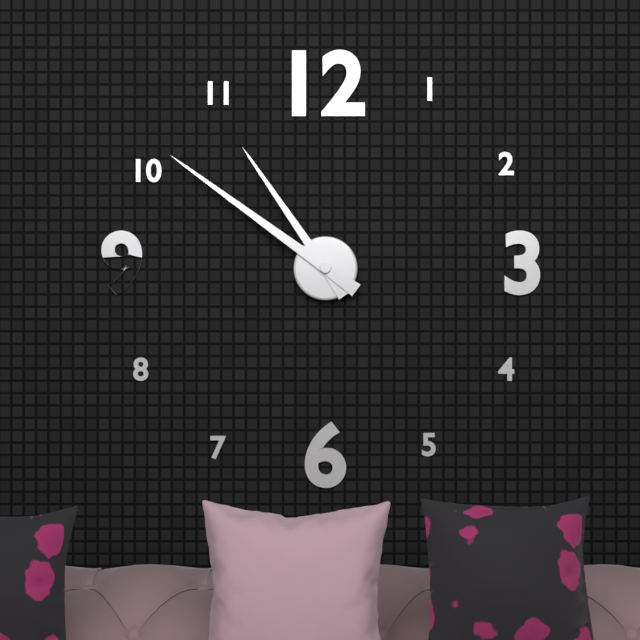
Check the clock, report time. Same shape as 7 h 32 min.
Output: 10 h 51 min
